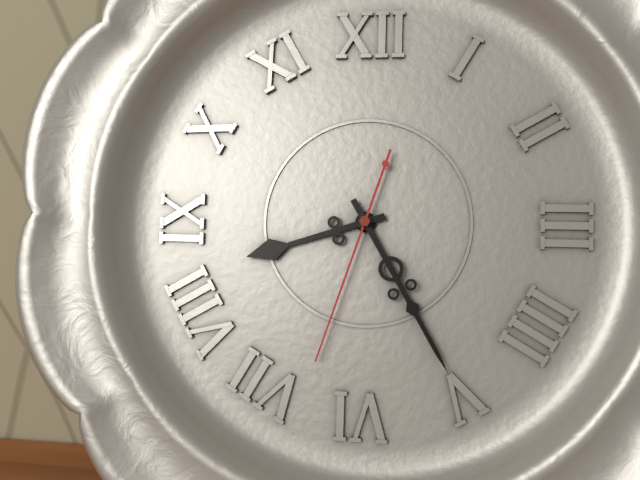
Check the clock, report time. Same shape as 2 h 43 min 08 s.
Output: 8 h 25 min 33 s
